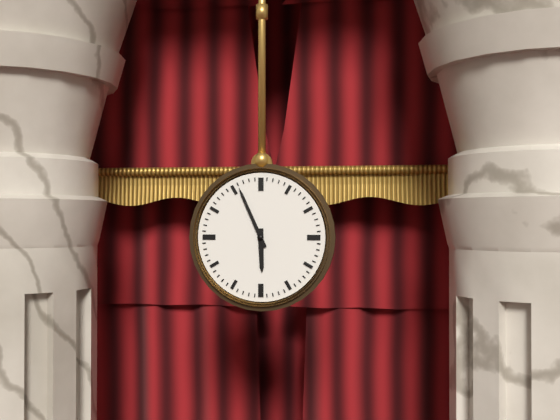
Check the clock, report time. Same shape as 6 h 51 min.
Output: 5 h 56 min
